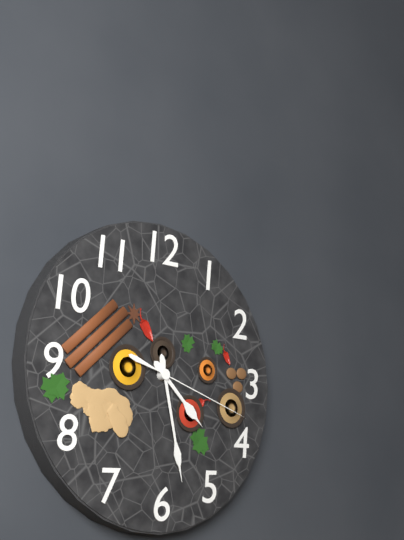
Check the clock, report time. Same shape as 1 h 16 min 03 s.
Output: 4 h 28 min 18 s
